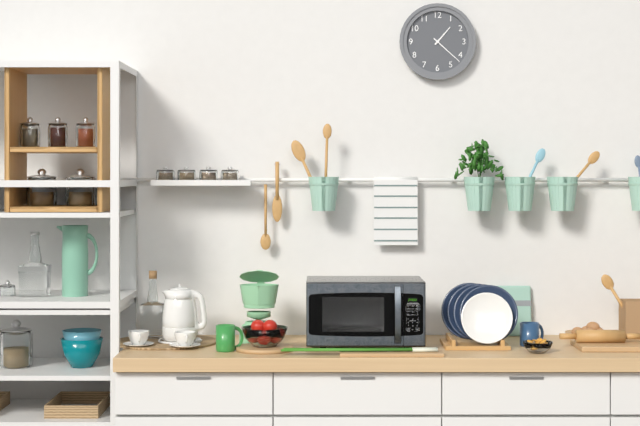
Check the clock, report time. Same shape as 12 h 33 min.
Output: 1 h 22 min
